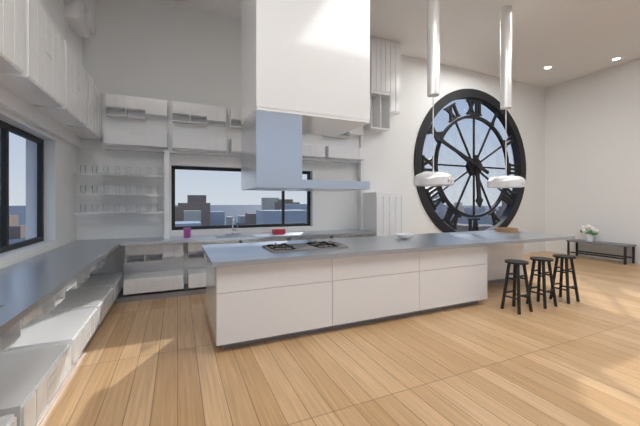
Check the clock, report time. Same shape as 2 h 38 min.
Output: 5 h 49 min
